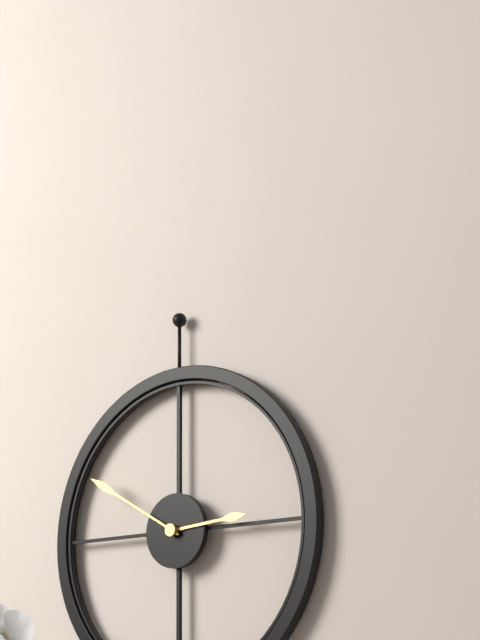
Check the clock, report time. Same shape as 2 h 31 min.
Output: 2 h 50 min
